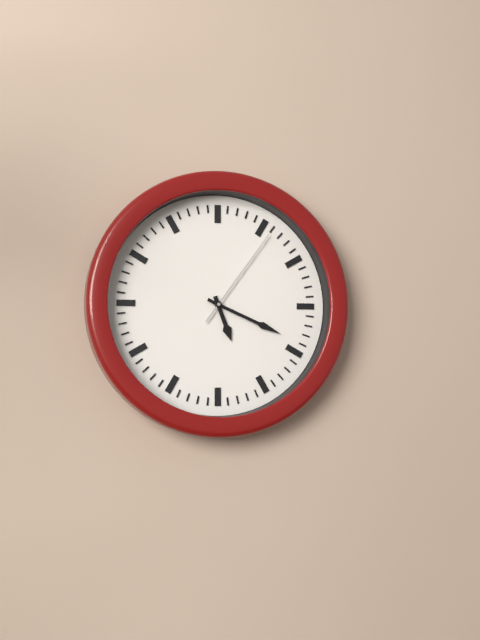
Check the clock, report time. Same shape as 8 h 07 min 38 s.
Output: 5 h 19 min 06 s
